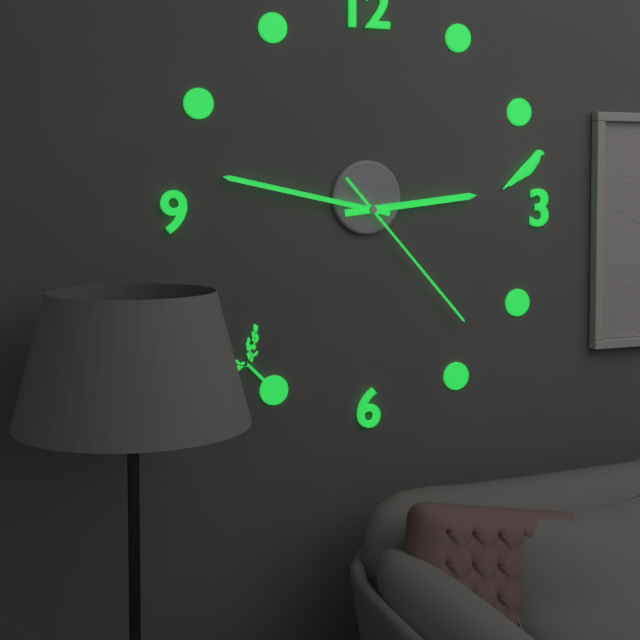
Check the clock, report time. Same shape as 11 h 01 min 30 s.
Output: 2 h 47 min 23 s
